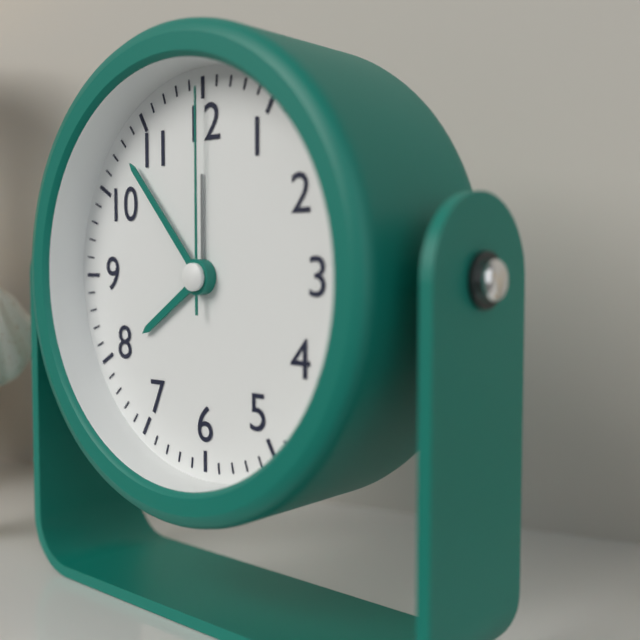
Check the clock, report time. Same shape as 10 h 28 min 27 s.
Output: 7 h 53 min 00 s
